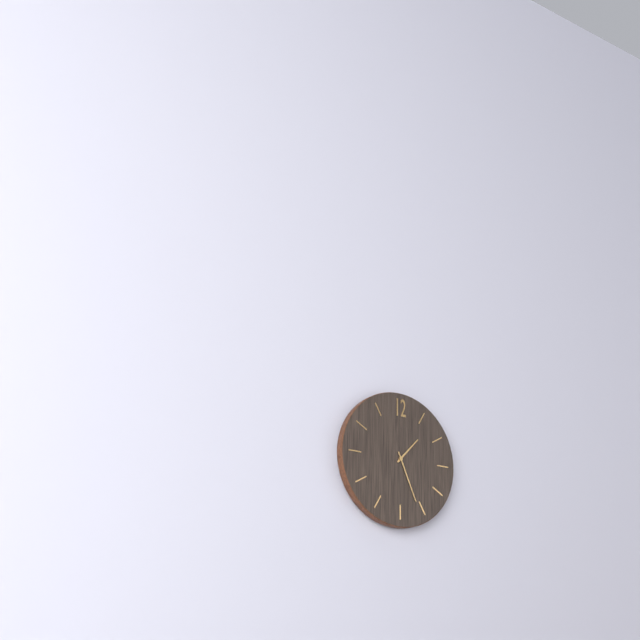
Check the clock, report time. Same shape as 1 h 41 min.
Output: 1 h 26 min
